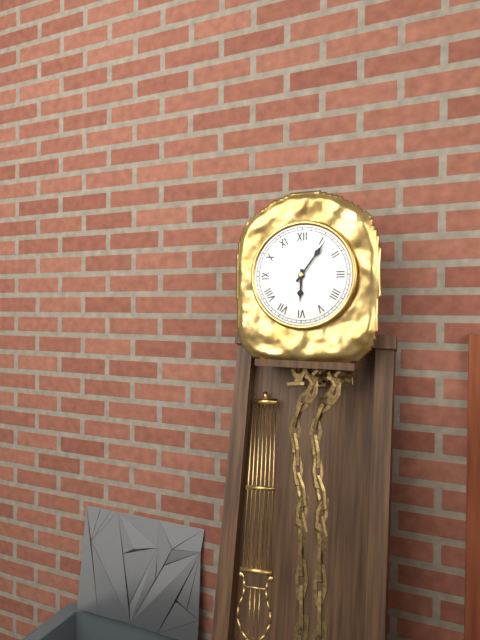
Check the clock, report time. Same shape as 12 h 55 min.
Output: 6 h 06 min
